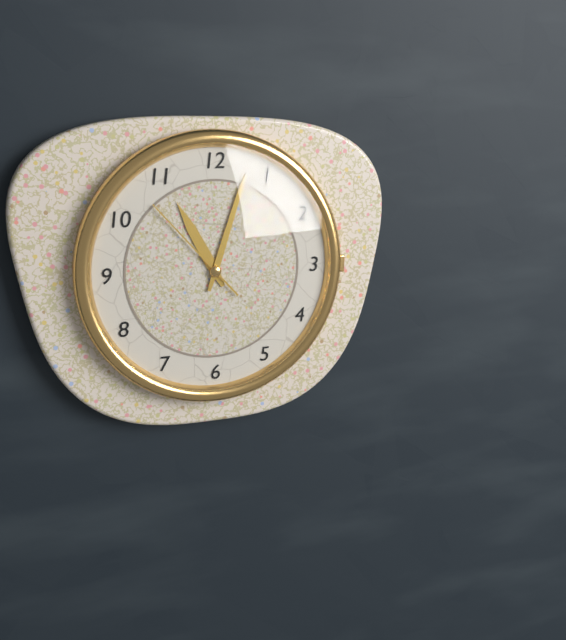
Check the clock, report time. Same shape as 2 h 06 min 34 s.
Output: 11 h 03 min 53 s
